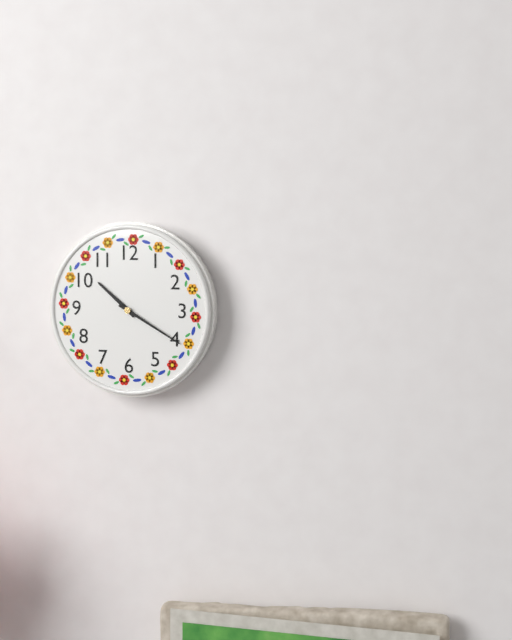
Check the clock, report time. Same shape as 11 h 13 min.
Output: 10 h 20 min
